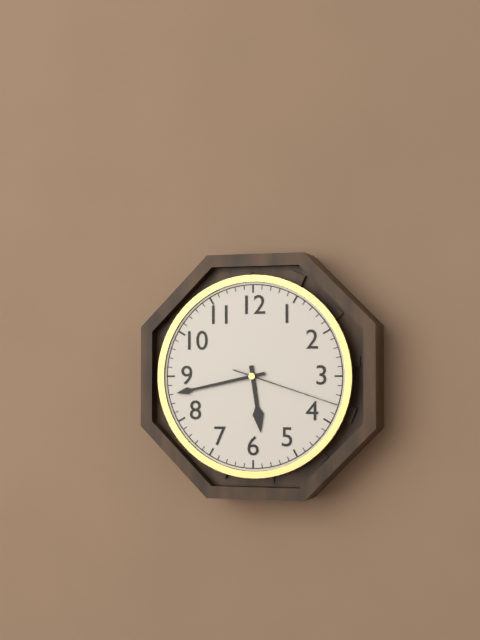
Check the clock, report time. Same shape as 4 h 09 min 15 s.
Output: 5 h 43 min 18 s
